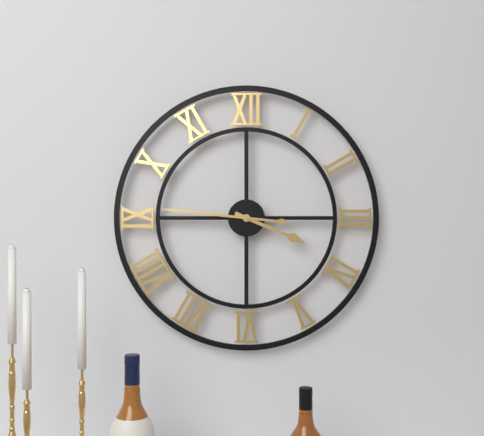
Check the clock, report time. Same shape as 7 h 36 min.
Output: 3 h 46 min
